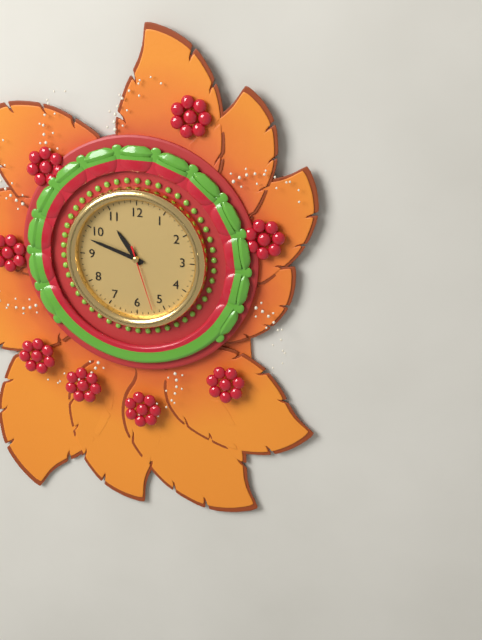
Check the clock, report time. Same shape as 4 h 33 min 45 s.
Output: 10 h 48 min 27 s
